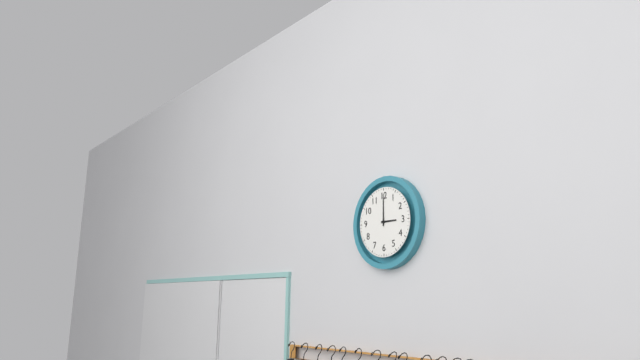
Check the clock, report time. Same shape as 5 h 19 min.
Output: 3 h 00 min
